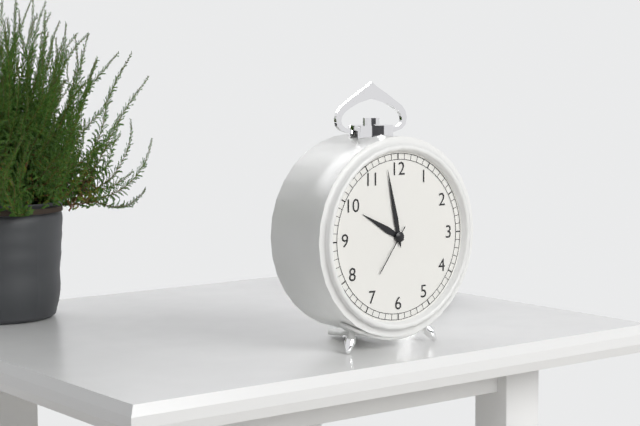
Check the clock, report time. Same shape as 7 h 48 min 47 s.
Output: 9 h 58 min 36 s
